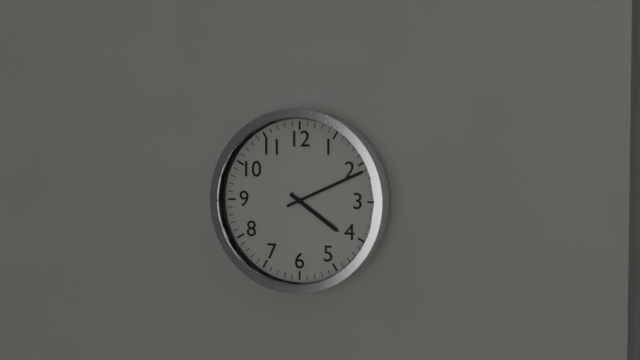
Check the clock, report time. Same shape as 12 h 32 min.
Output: 4 h 11 min
